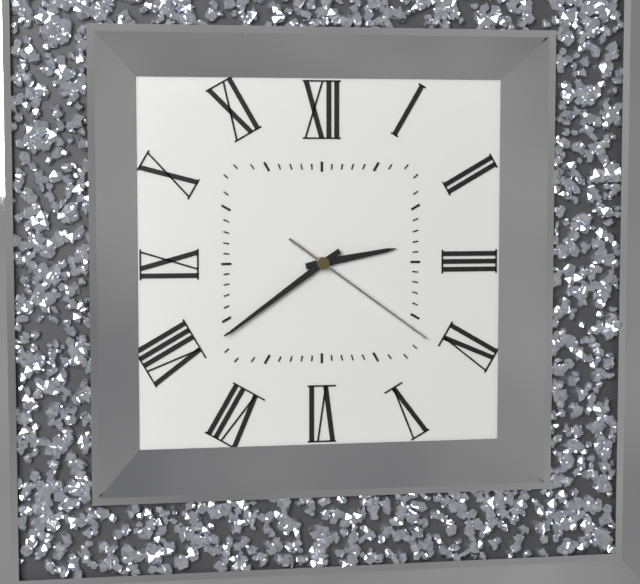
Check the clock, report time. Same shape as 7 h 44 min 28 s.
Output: 2 h 39 min 21 s
